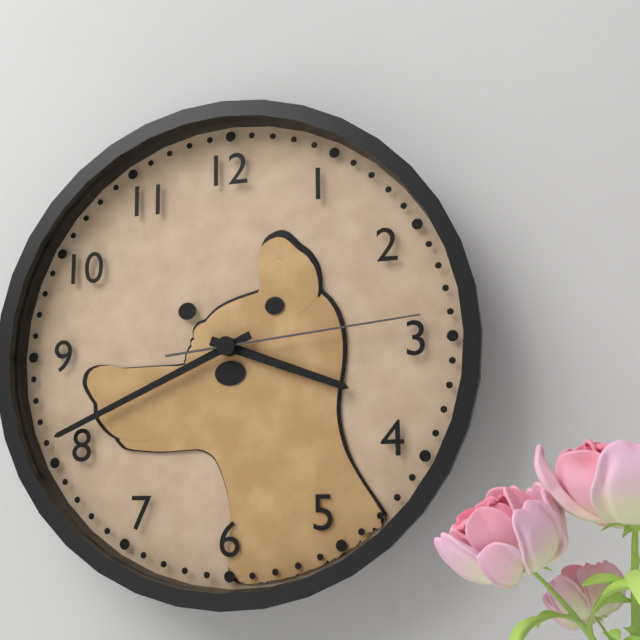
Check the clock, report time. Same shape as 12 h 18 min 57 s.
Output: 3 h 41 min 14 s
